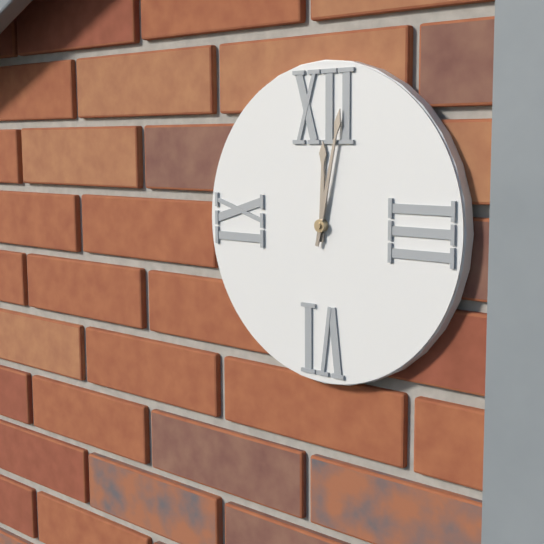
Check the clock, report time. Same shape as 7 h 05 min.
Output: 12 h 02 min
